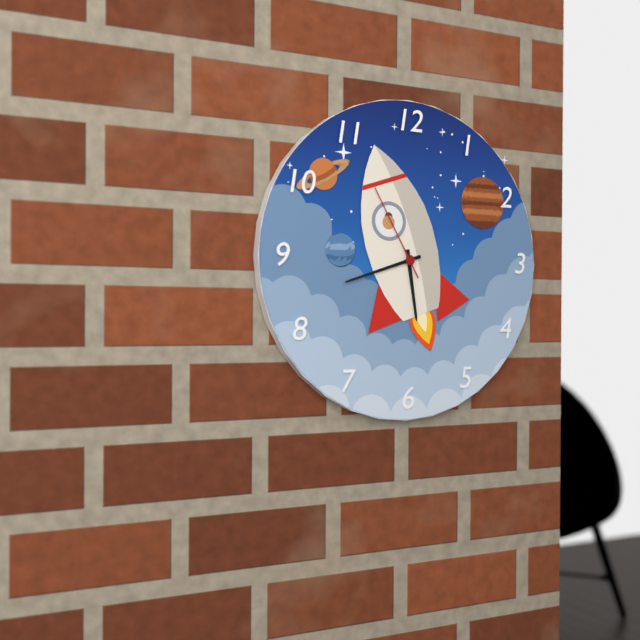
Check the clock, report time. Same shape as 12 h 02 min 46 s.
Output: 5 h 42 min 55 s
